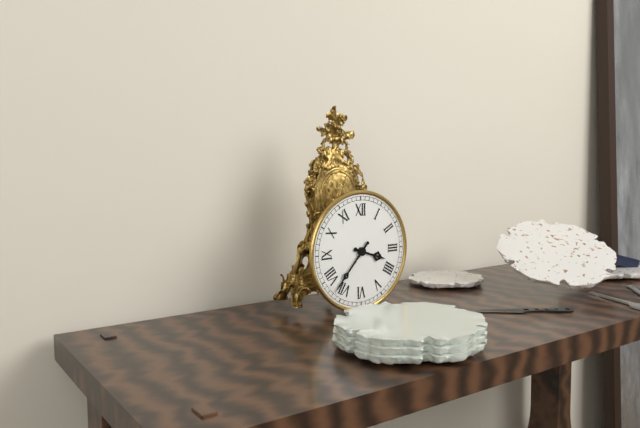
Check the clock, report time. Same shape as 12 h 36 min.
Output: 3 h 37 min
